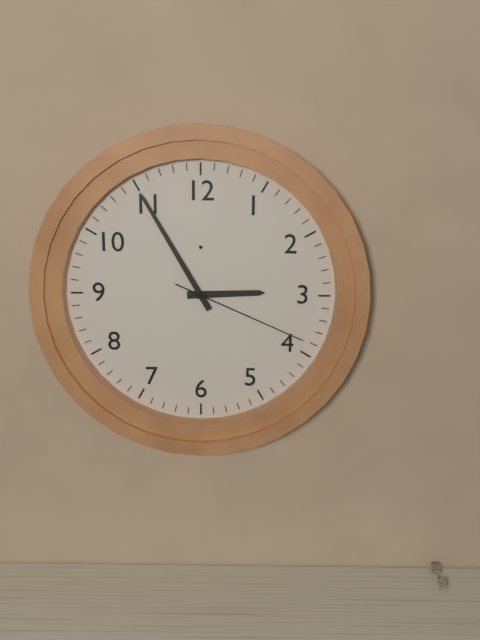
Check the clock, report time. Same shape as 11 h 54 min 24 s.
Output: 2 h 55 min 19 s
